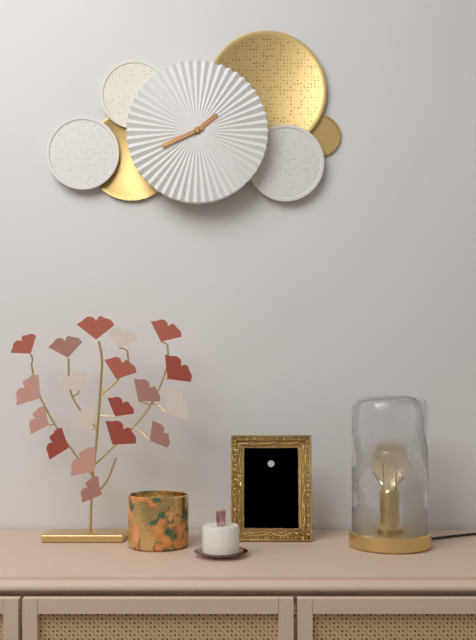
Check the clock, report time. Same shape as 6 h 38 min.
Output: 1 h 41 min
